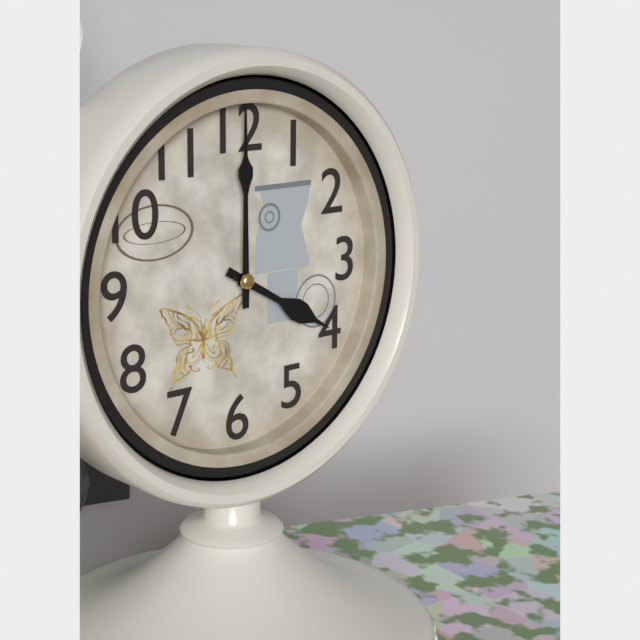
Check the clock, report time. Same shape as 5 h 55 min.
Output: 4 h 00 min
